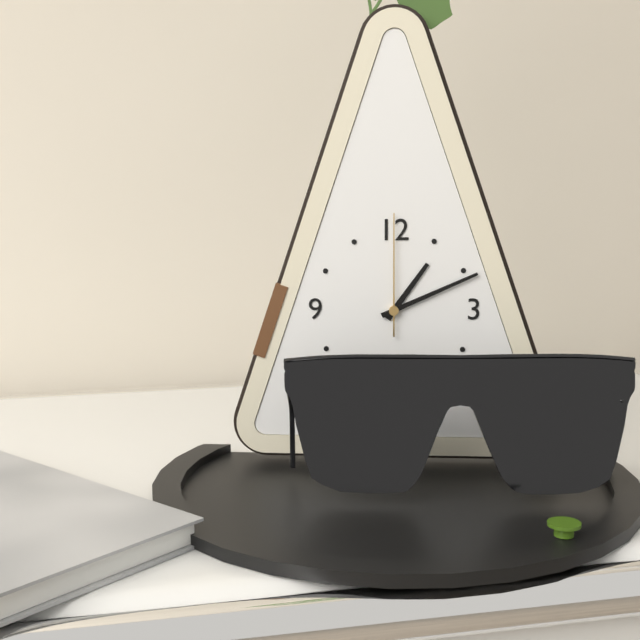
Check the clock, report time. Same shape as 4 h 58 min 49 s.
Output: 1 h 11 min 00 s
